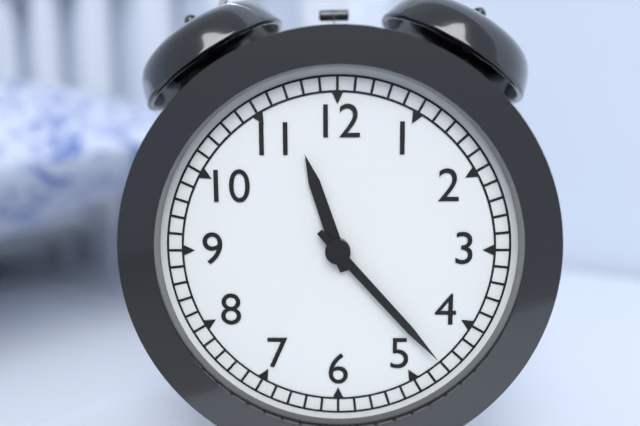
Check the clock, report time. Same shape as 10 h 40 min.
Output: 11 h 23 min
